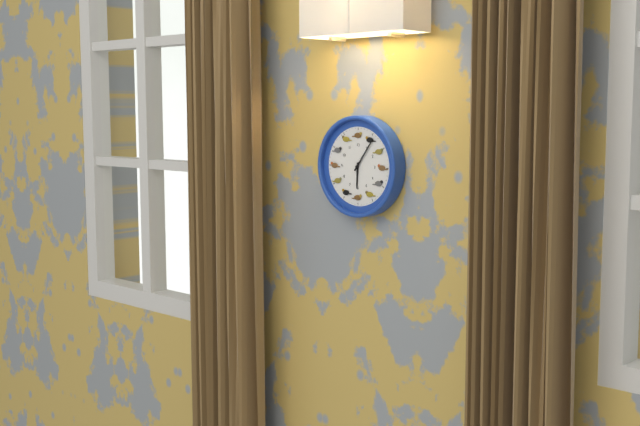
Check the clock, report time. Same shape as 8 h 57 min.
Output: 6 h 06 min
